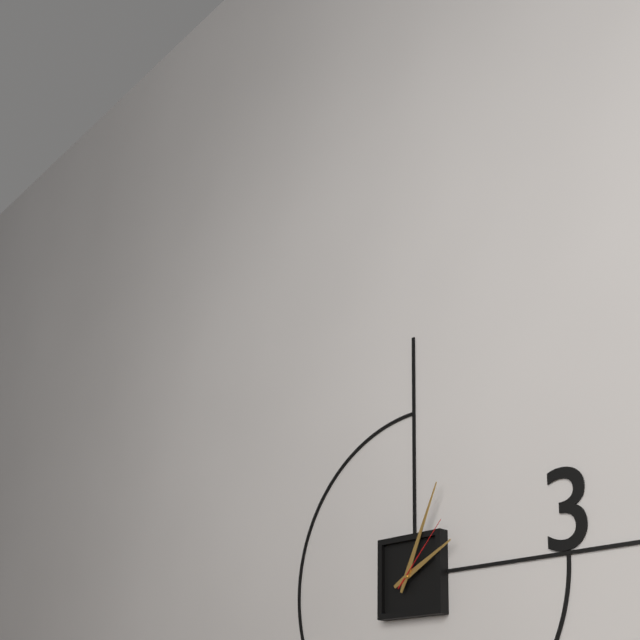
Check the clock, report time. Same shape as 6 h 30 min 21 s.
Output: 2 h 04 min 07 s
